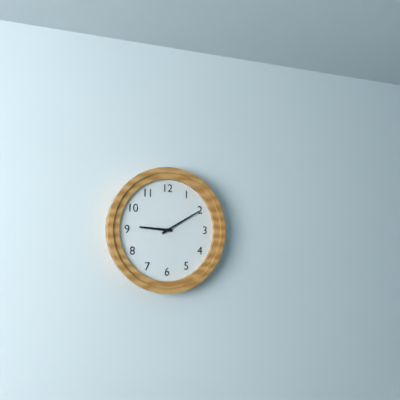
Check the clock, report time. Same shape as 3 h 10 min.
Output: 9 h 10 min
